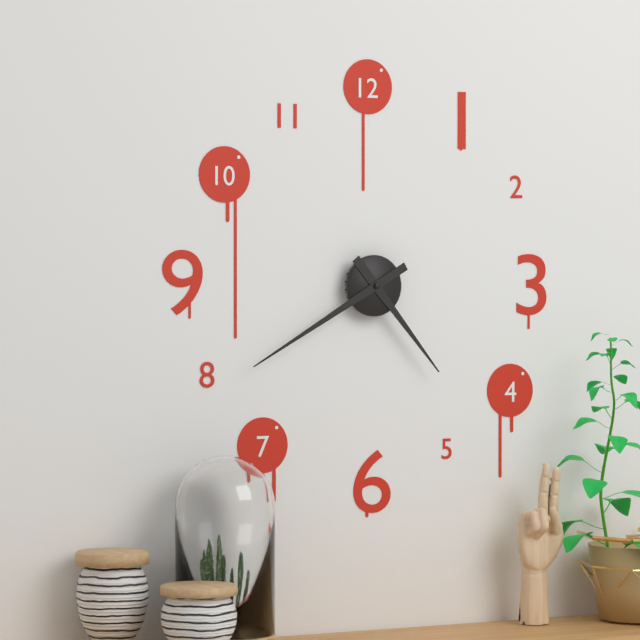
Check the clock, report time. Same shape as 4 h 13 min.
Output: 4 h 40 min
